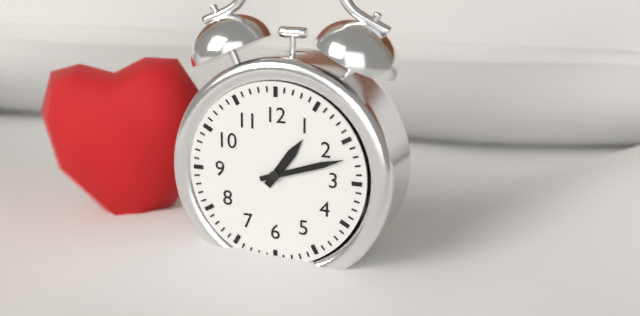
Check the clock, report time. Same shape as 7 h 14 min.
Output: 1 h 12 min
